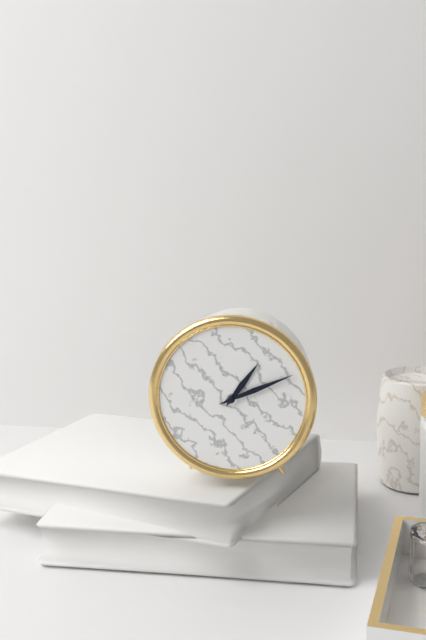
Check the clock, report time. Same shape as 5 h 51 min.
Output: 1 h 11 min
